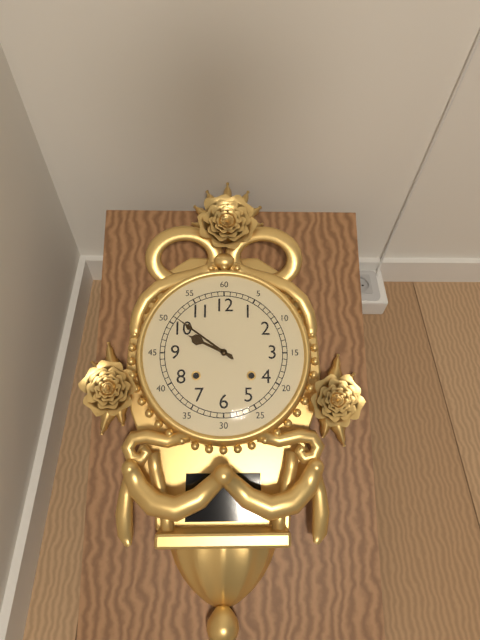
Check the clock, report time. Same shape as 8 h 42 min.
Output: 9 h 51 min
